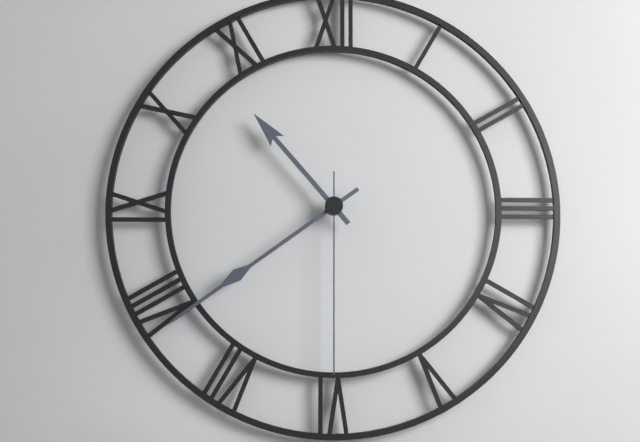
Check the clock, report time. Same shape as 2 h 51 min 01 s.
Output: 10 h 39 min 30 s
